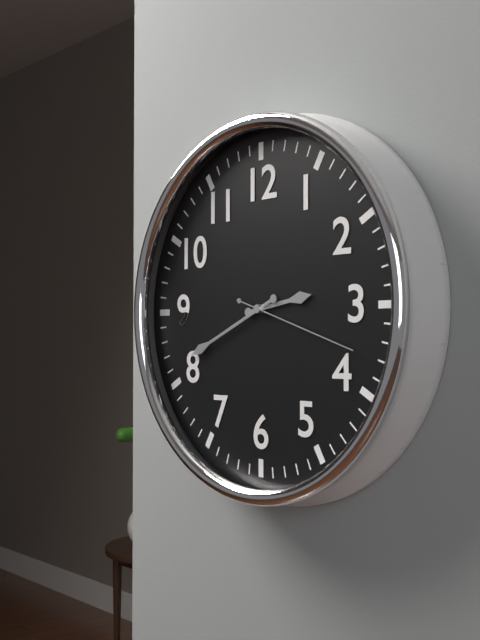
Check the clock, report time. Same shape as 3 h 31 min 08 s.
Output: 2 h 41 min 18 s
